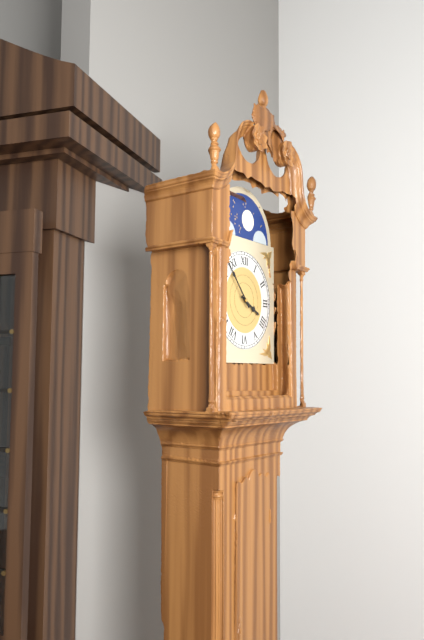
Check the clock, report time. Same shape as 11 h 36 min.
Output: 3 h 53 min
